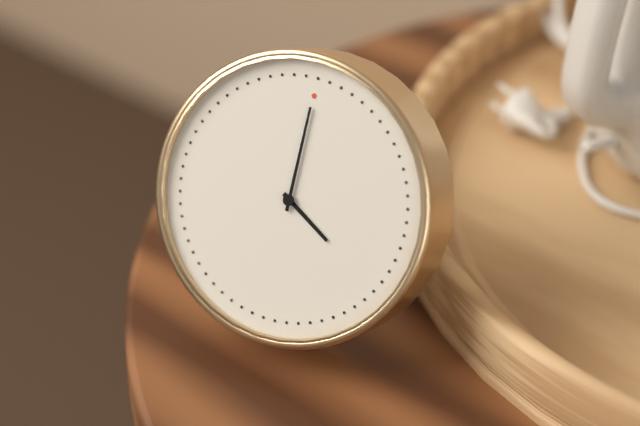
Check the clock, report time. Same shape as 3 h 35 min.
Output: 4 h 00 min
